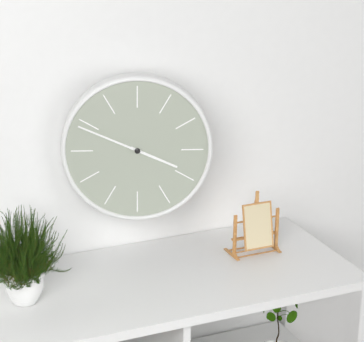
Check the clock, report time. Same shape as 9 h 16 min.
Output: 3 h 49 min
